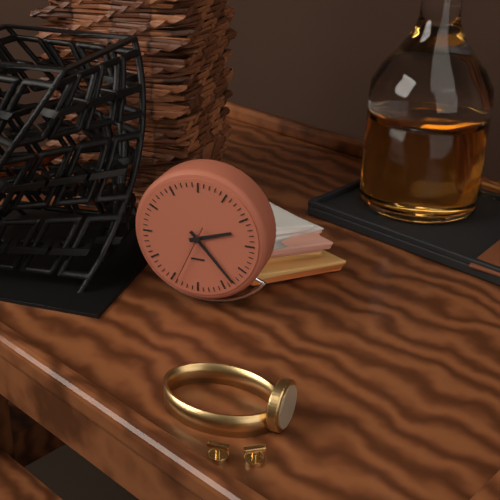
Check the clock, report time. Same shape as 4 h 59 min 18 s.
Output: 2 h 23 min 34 s
